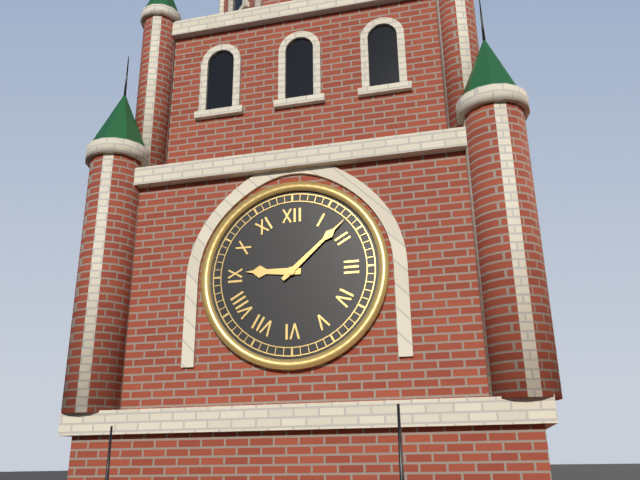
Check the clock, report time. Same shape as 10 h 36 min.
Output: 9 h 08 min
